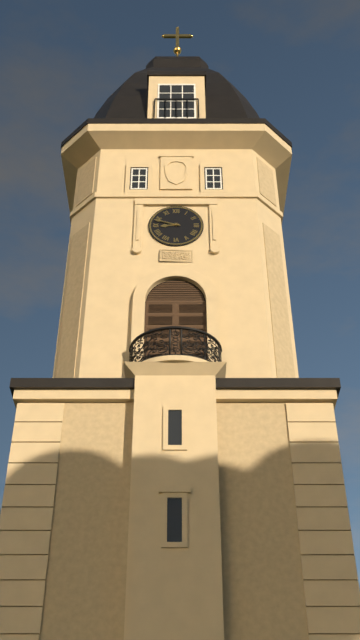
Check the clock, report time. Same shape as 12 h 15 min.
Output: 8 h 48 min
